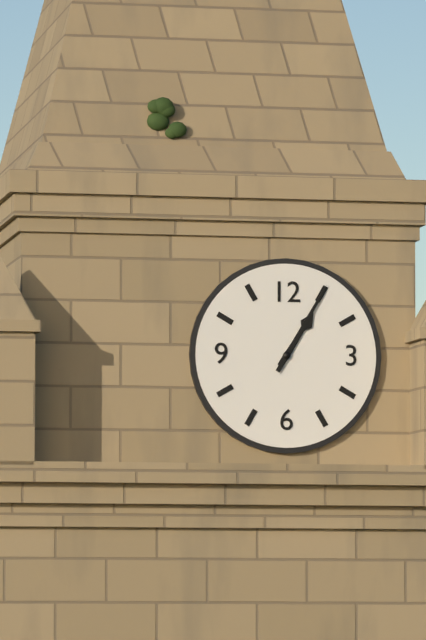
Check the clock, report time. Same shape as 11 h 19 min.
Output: 1 h 05 min
